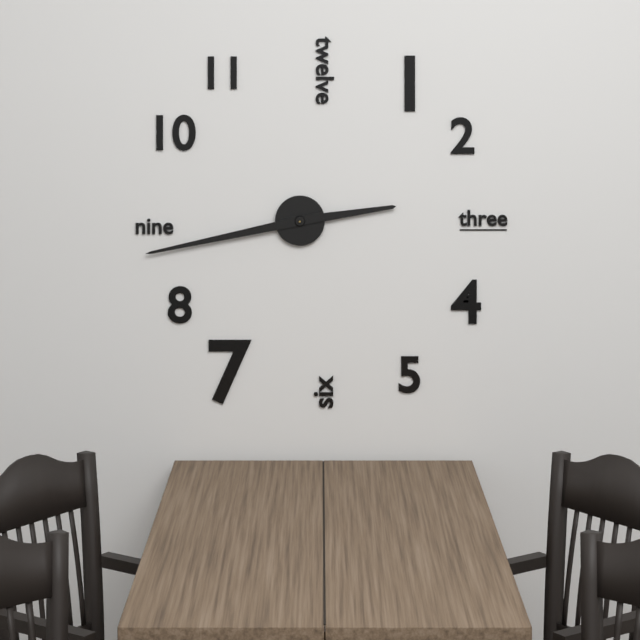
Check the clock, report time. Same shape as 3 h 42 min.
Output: 2 h 43 min
